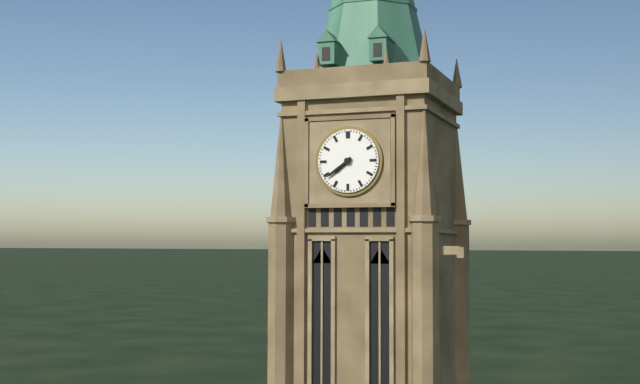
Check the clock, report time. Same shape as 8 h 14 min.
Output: 7 h 39 min
